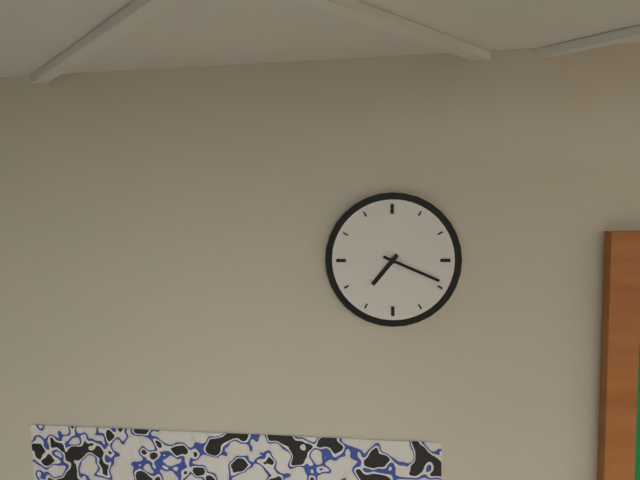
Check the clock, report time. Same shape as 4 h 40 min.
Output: 7 h 19 min
